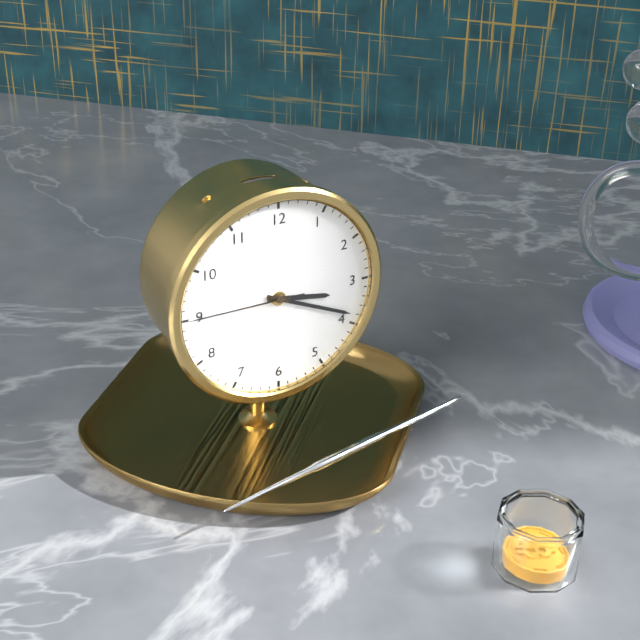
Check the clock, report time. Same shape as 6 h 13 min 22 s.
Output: 3 h 19 min 45 s
